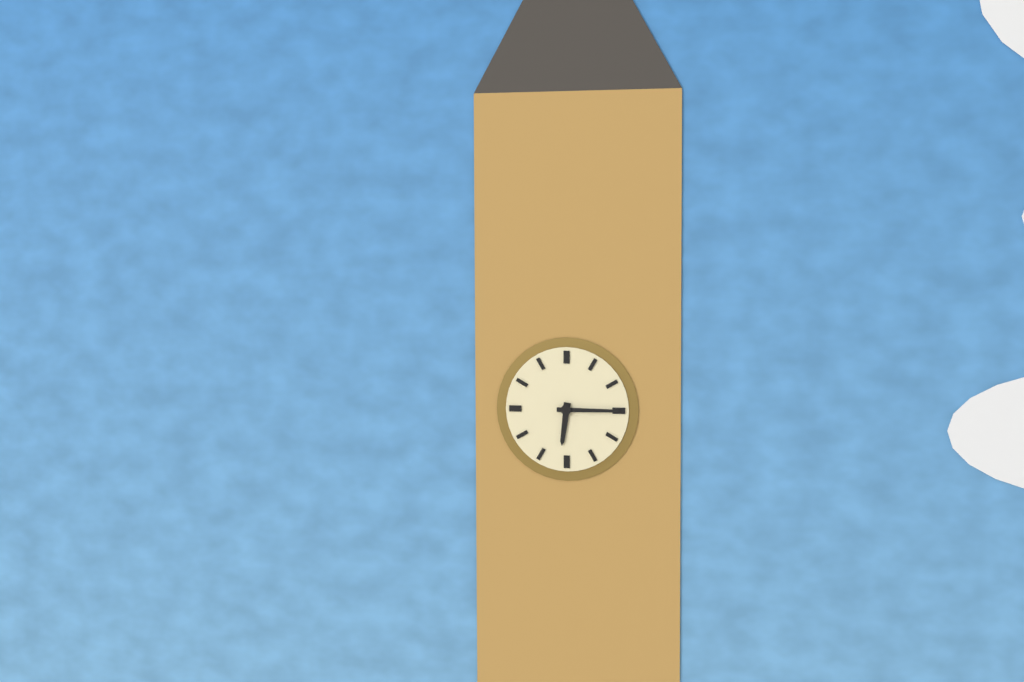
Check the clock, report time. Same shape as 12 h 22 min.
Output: 6 h 15 min
